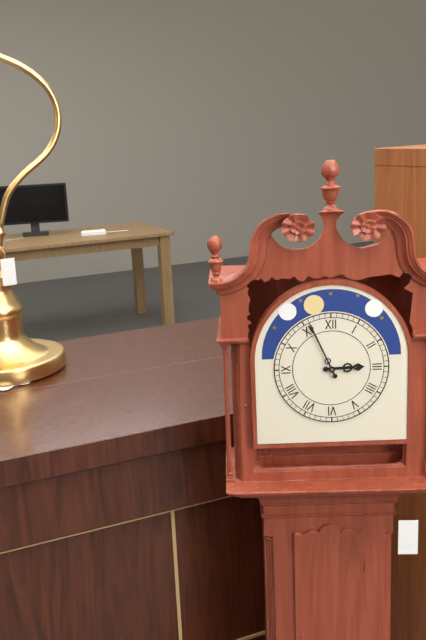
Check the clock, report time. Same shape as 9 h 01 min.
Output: 2 h 56 min
